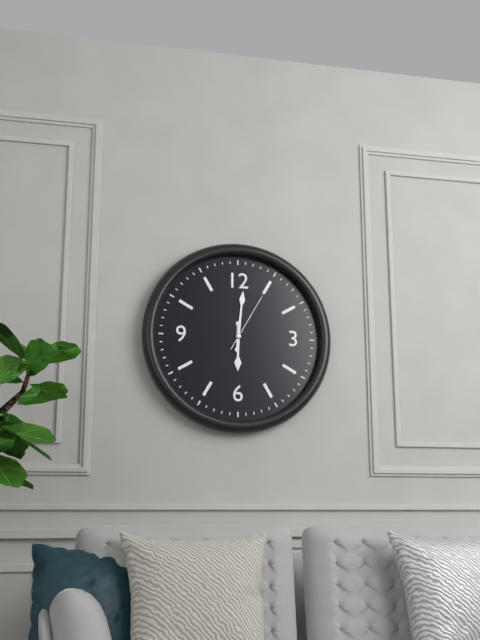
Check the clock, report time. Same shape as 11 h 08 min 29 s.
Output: 6 h 01 min 05 s
